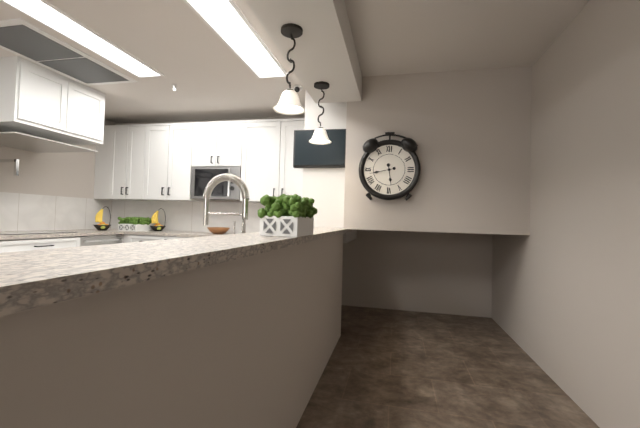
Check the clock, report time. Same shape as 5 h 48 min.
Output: 5 h 43 min
